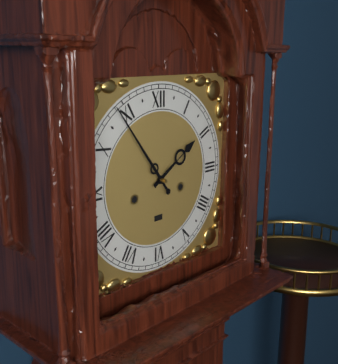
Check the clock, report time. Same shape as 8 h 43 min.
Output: 1 h 54 min
